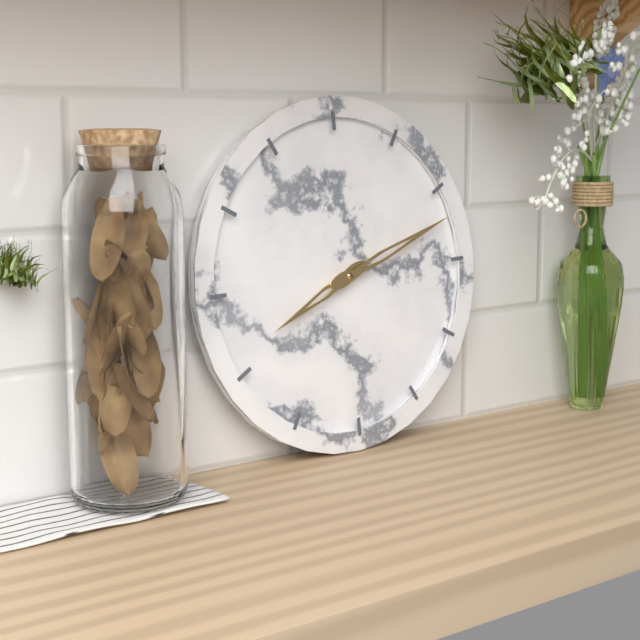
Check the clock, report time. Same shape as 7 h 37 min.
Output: 8 h 12 min
